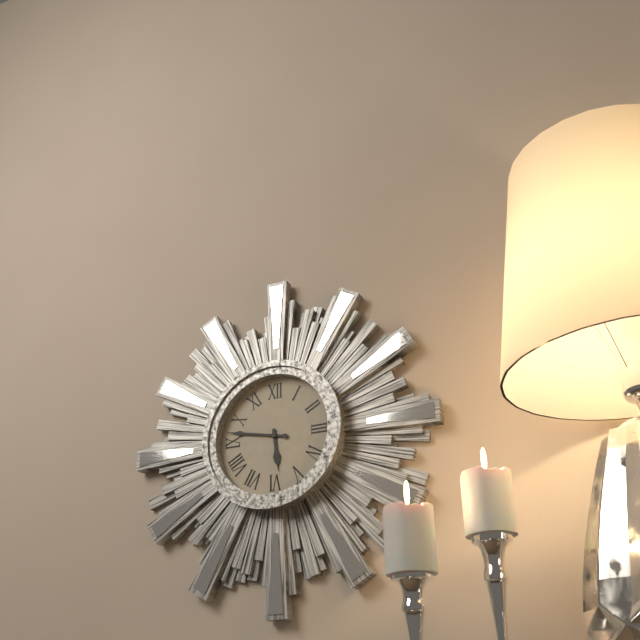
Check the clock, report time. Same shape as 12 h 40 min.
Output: 5 h 47 min
